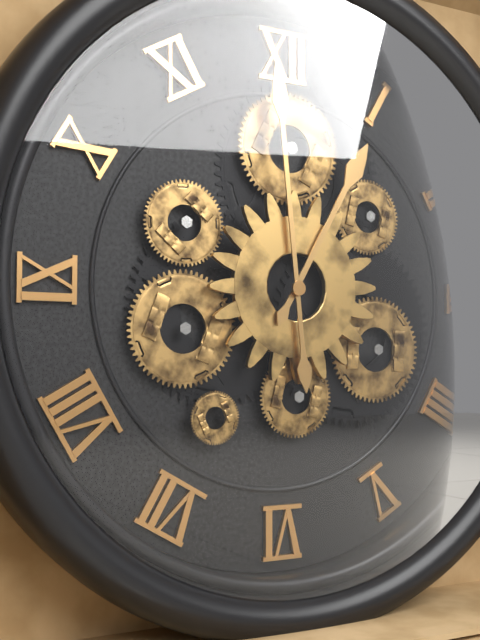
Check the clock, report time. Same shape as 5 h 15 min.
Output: 12 h 59 min
